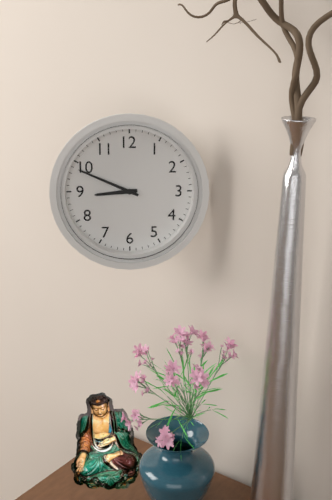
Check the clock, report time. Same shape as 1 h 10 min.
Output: 8 h 49 min
